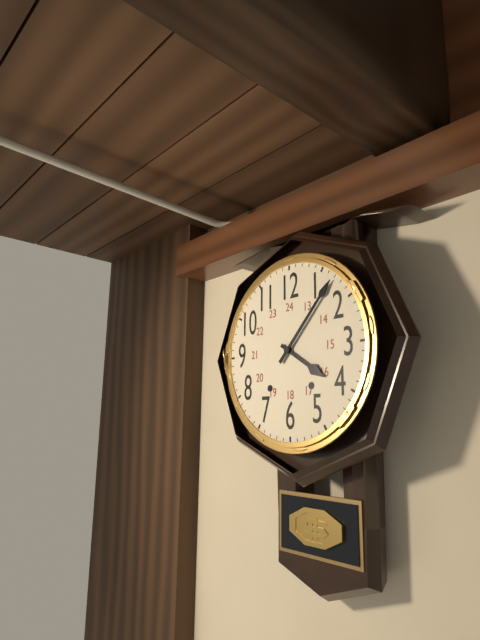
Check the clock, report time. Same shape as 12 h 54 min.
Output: 4 h 07 min
